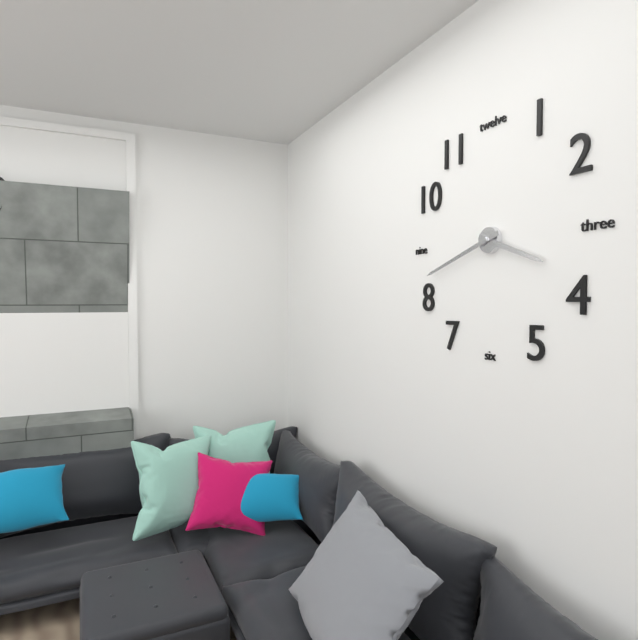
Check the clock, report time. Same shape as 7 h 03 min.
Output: 3 h 42 min
